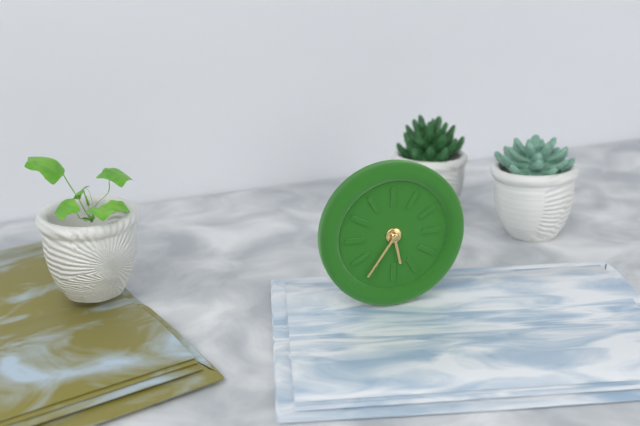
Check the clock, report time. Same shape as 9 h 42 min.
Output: 5 h 36 min
